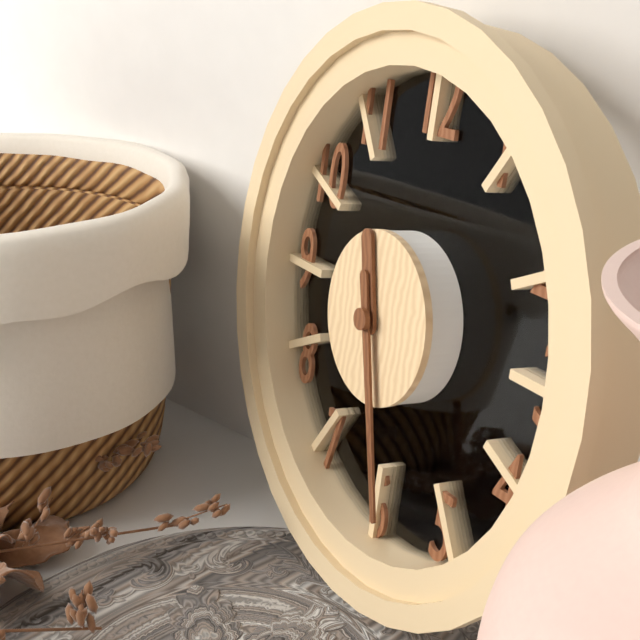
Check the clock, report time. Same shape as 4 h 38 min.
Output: 11 h 27 min
